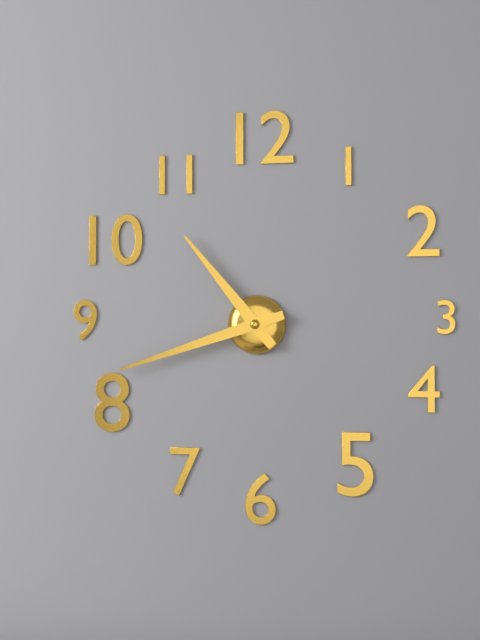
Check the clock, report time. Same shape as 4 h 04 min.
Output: 10 h 42 min
